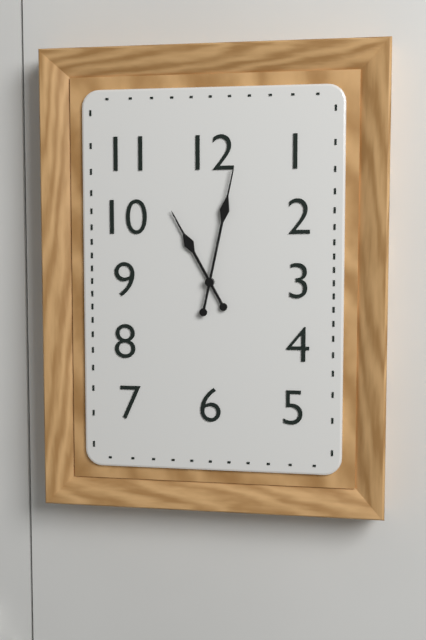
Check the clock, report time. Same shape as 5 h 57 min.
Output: 11 h 02 min
